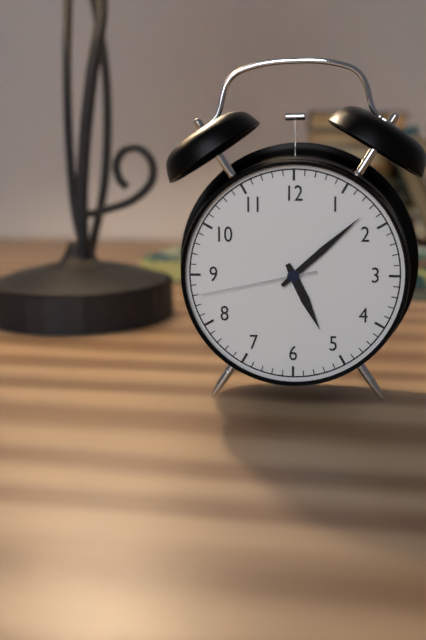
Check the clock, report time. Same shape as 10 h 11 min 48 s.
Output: 5 h 08 min 43 s
